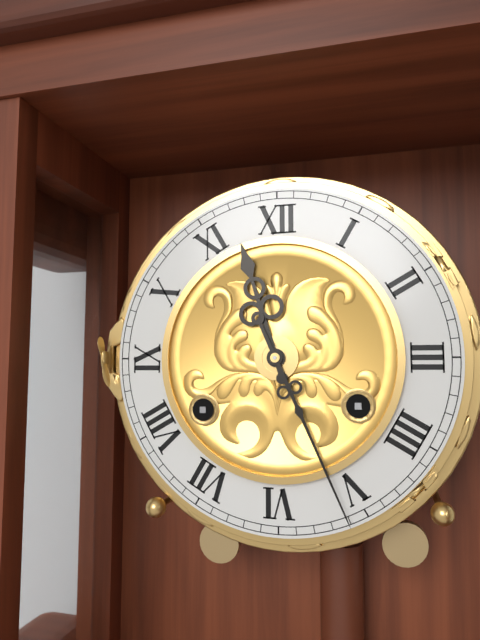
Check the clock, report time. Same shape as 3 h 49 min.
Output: 11 h 26 min
